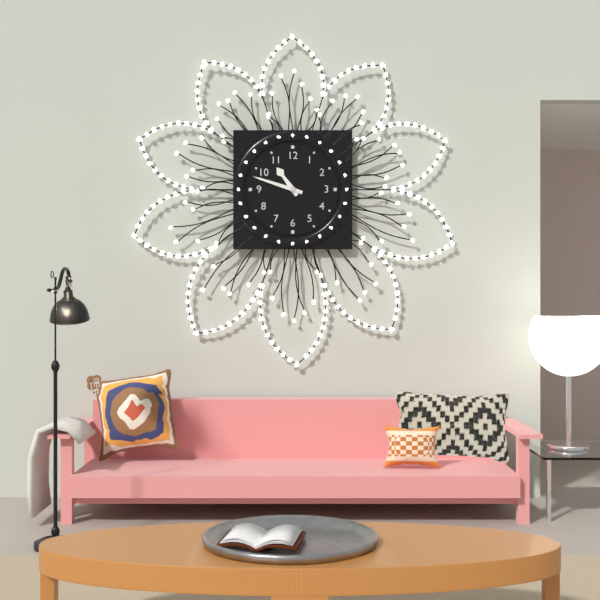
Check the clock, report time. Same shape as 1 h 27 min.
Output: 10 h 48 min
